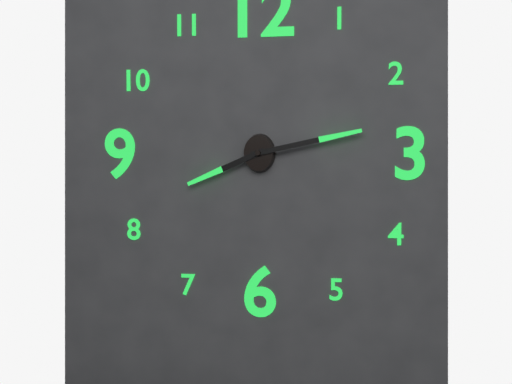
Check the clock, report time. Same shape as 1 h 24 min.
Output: 8 h 13 min
